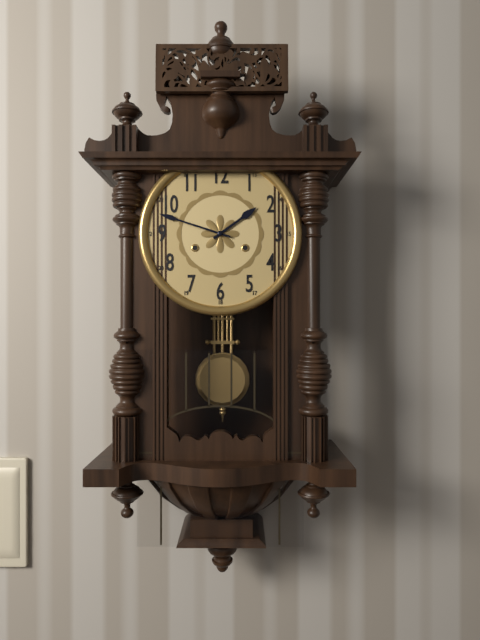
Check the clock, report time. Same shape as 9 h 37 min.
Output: 1 h 48 min
